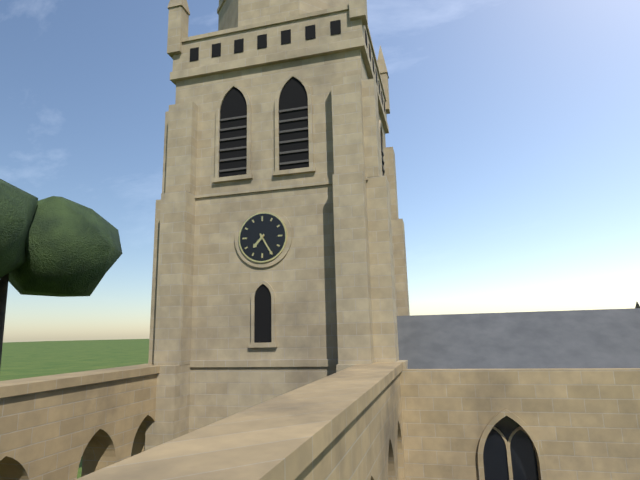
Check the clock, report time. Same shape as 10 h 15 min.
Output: 7 h 25 min
